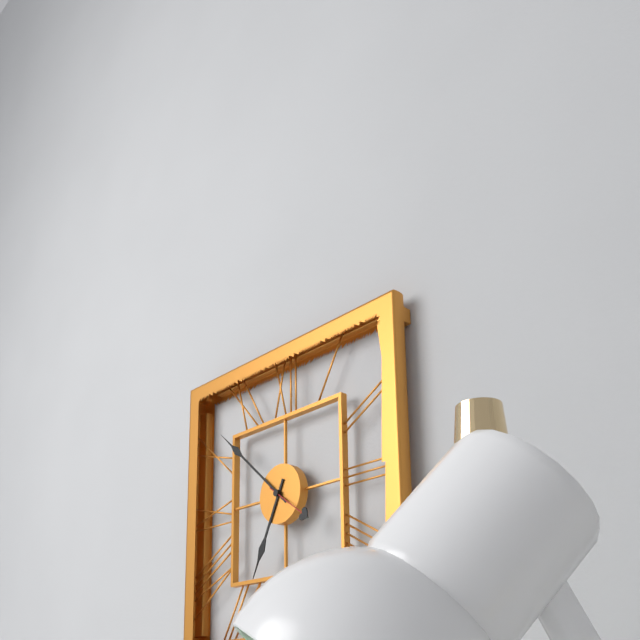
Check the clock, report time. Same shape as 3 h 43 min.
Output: 6 h 52 min
